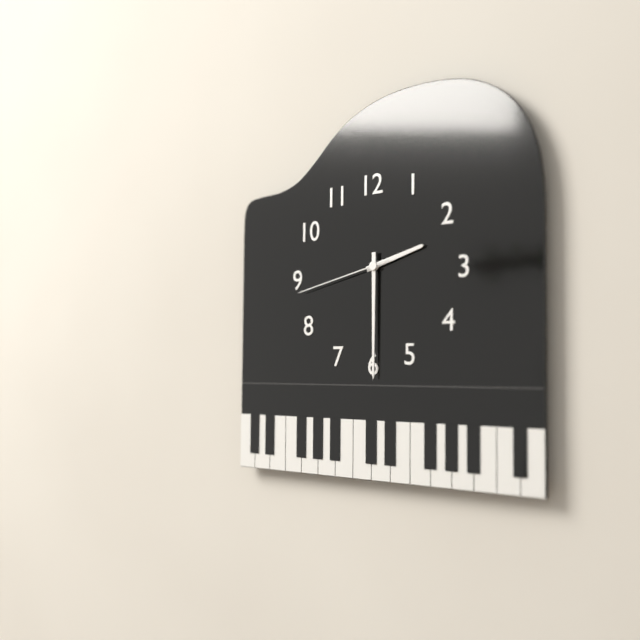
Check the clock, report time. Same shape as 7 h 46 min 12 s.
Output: 2 h 30 min 43 s
